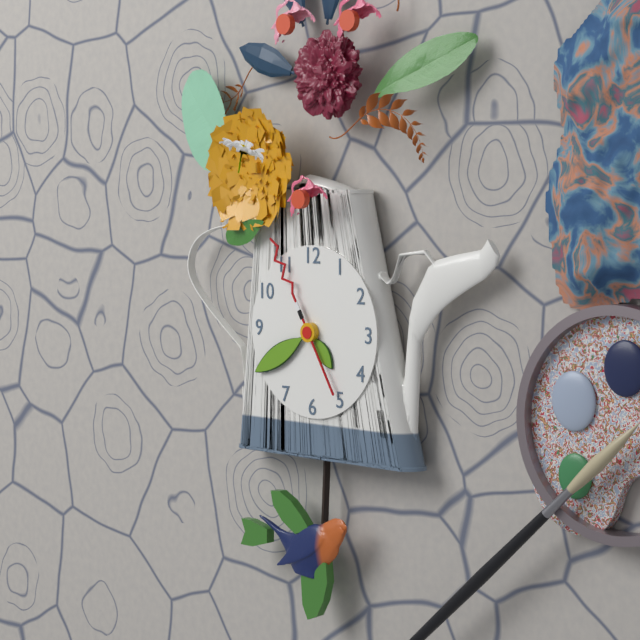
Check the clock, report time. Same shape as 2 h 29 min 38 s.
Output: 4 h 40 min 55 s
